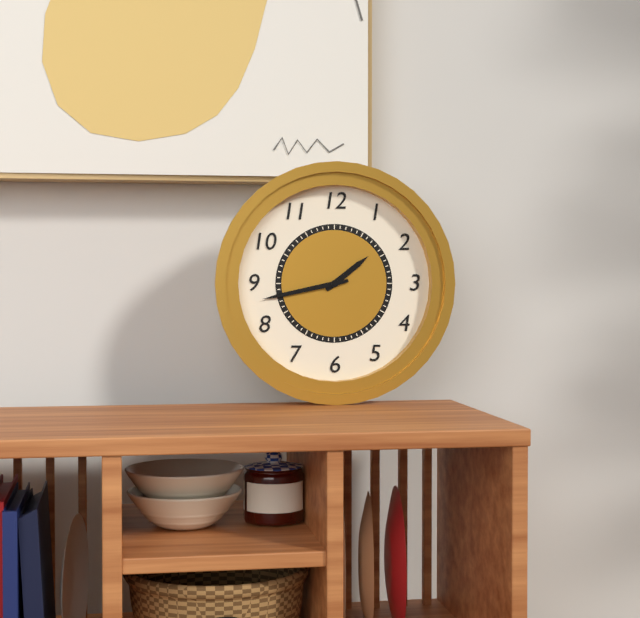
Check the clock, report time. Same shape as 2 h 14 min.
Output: 1 h 43 min
